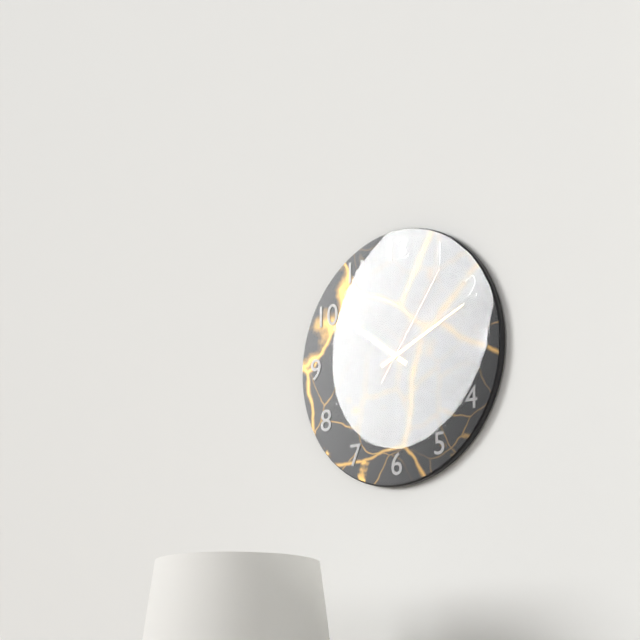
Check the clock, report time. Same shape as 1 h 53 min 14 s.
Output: 10 h 11 min 06 s
